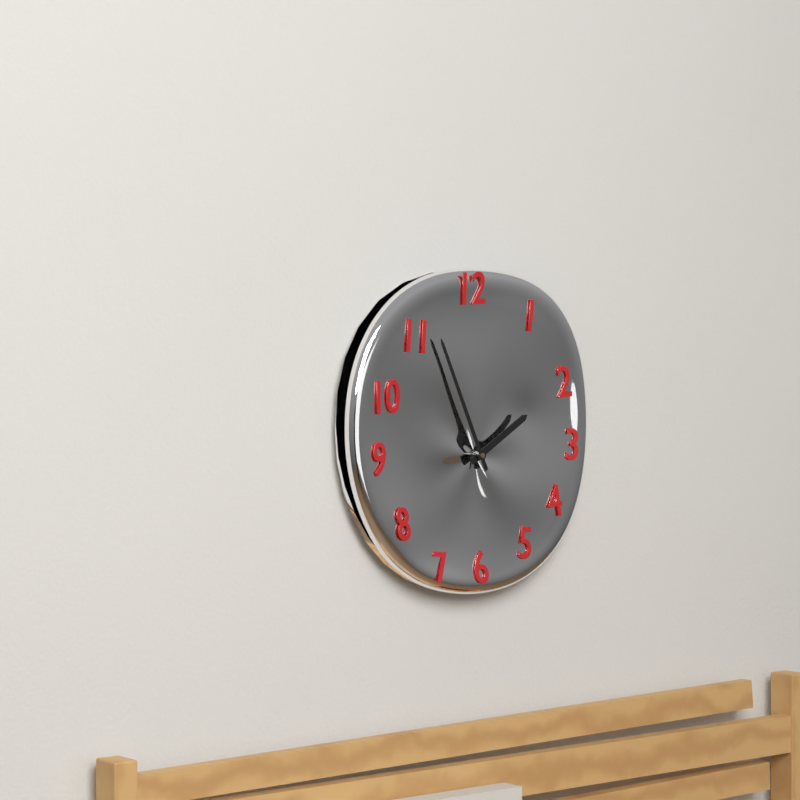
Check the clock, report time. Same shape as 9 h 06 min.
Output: 1 h 56 min
